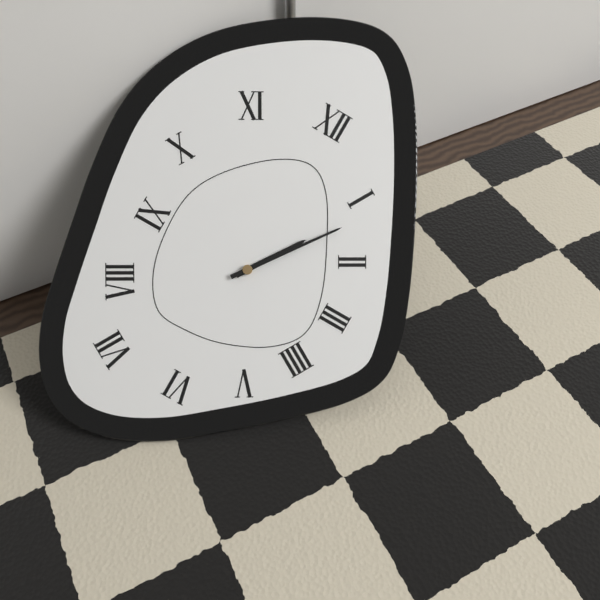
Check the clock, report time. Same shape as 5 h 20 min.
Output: 1 h 06 min
